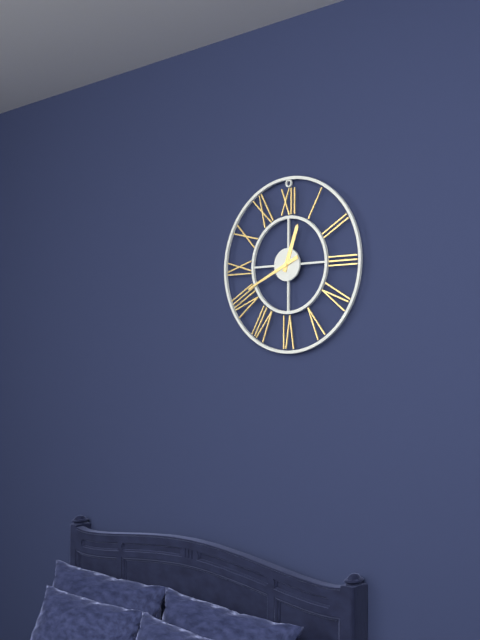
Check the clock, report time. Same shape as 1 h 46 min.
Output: 12 h 41 min
